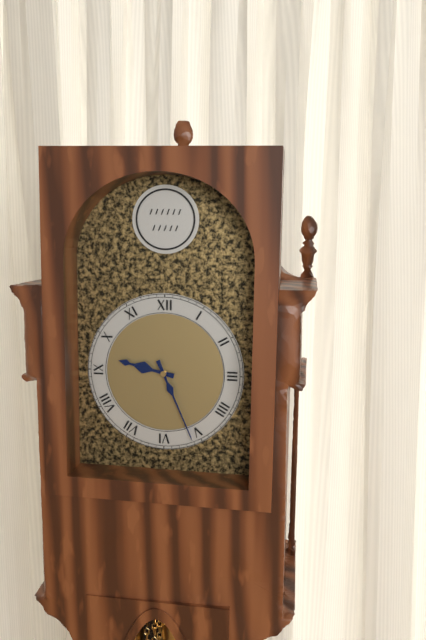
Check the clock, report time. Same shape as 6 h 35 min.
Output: 9 h 26 min
